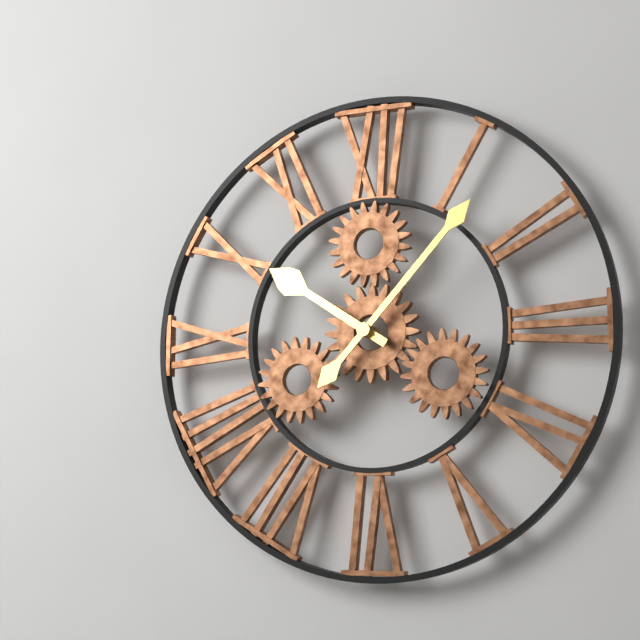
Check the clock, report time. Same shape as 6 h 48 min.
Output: 10 h 07 min
